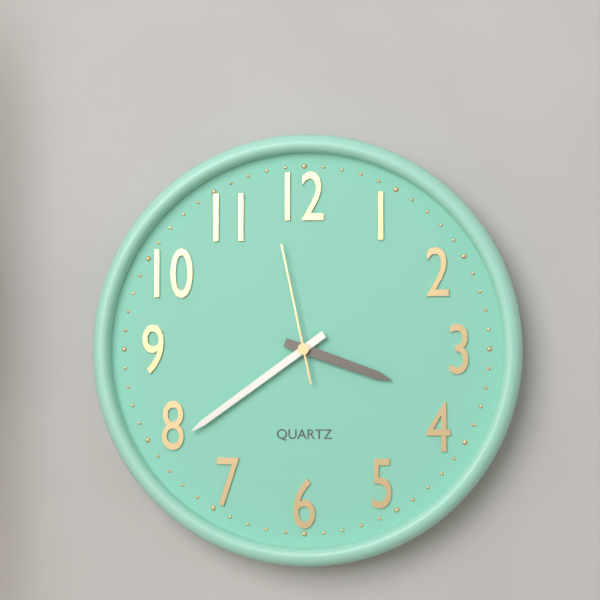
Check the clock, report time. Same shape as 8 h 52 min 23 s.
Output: 3 h 39 min 58 s
